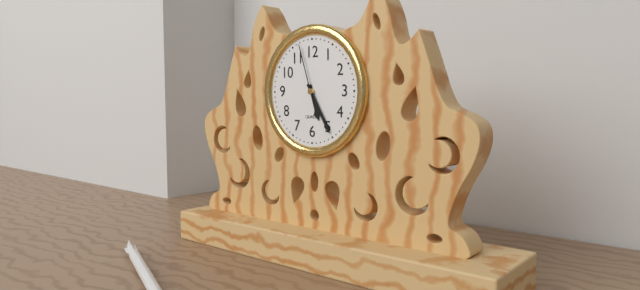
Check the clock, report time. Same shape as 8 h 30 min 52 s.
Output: 5 h 25 min 57 s
